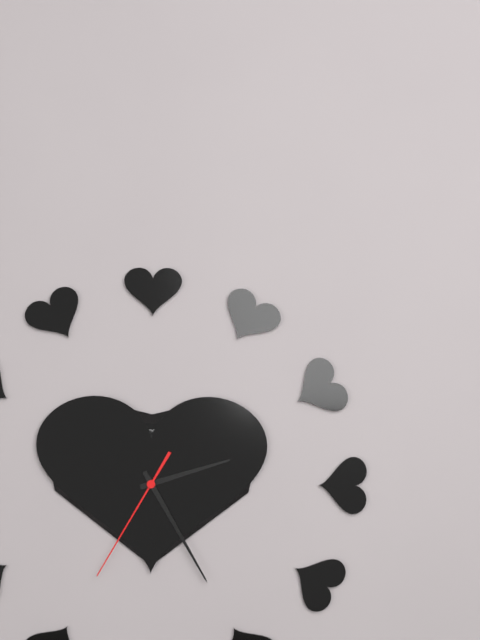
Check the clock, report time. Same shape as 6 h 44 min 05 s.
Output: 2 h 25 min 35 s
